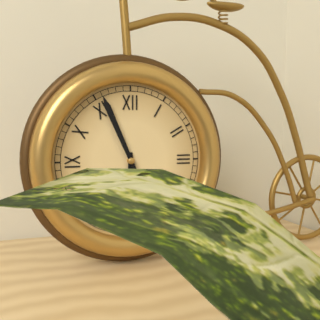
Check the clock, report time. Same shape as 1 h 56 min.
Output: 5 h 56 min
